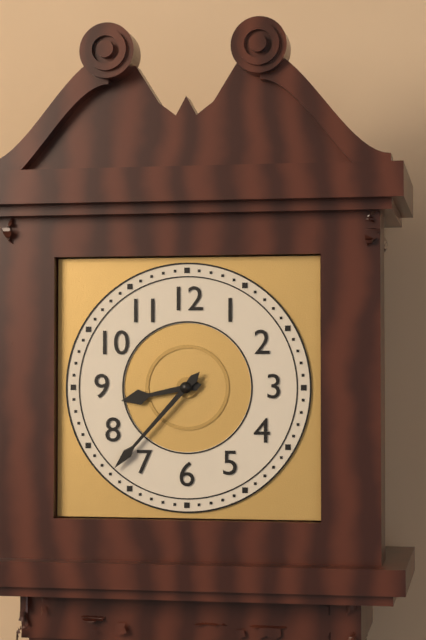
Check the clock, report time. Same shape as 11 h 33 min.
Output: 8 h 37 min
